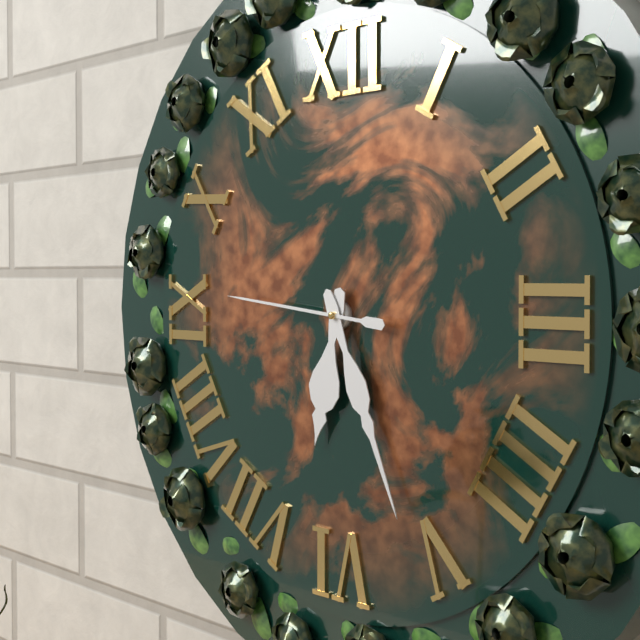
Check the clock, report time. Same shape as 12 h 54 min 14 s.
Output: 6 h 26 min 46 s
